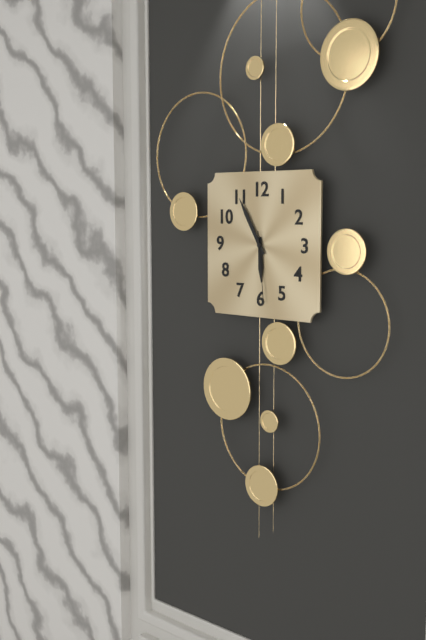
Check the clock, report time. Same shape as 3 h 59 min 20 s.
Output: 5 h 55 min 29 s
